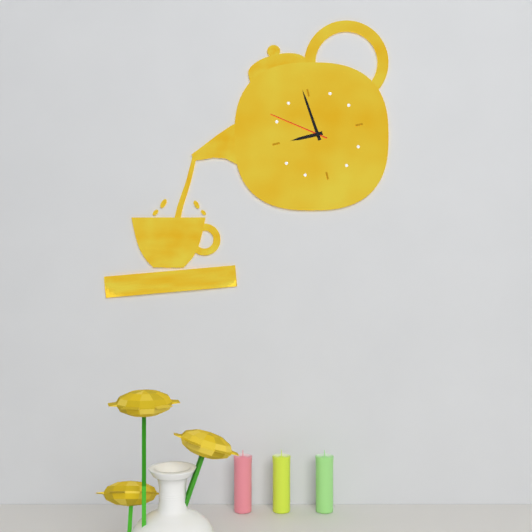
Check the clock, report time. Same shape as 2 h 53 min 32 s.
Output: 8 h 59 min 51 s
